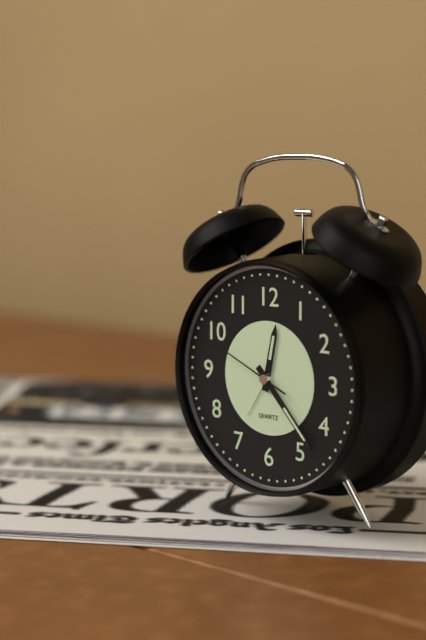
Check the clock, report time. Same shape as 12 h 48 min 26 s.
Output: 12 h 23 min 49 s
